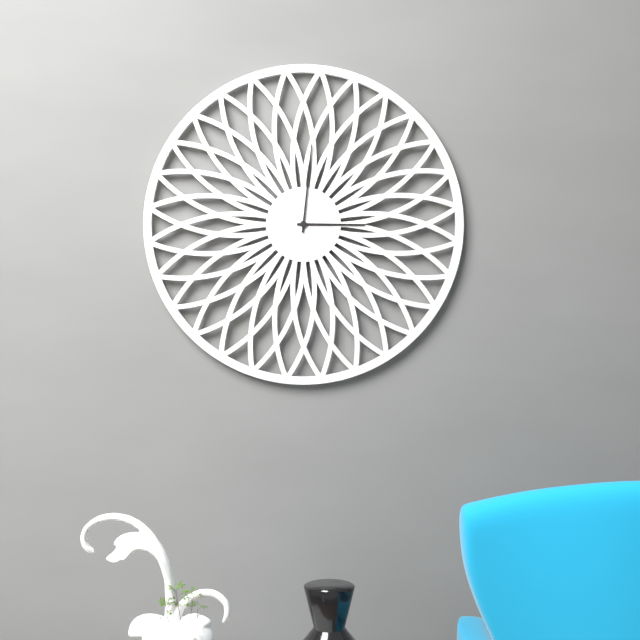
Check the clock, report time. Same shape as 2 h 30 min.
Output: 3 h 01 min
